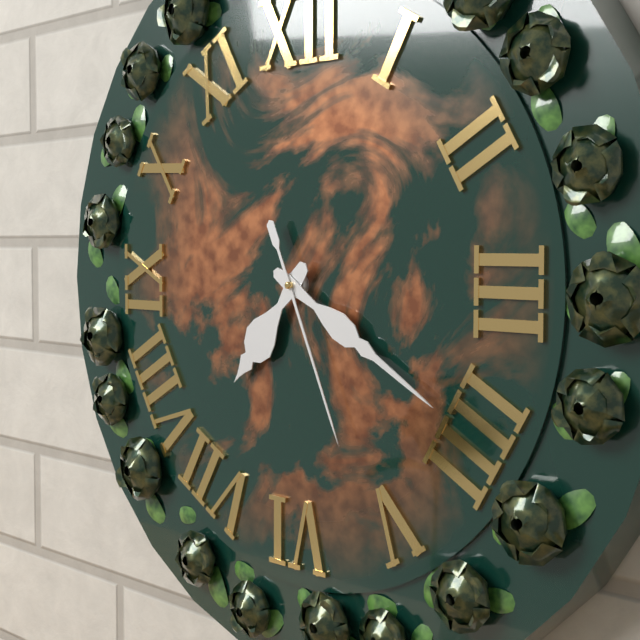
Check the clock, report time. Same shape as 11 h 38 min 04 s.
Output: 7 h 20 min 26 s
